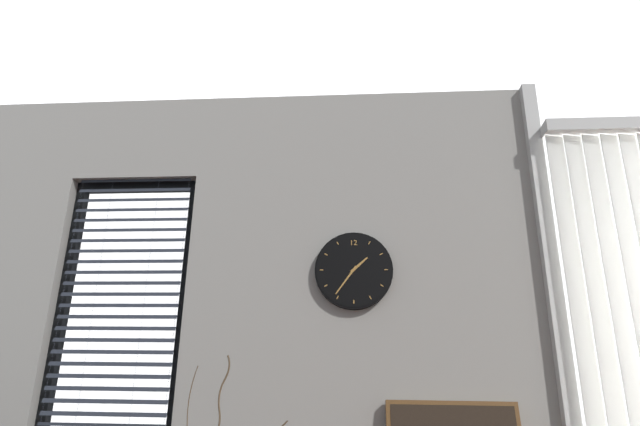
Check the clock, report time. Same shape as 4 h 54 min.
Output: 1 h 36 min
